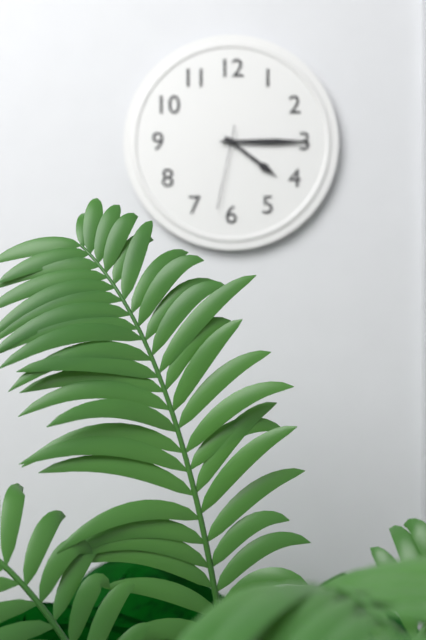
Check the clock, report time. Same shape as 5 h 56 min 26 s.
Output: 4 h 15 min 32 s
